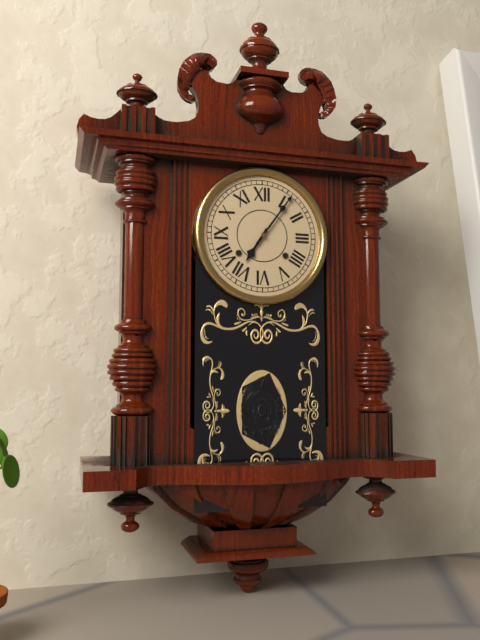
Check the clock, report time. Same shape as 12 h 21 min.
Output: 7 h 06 min
